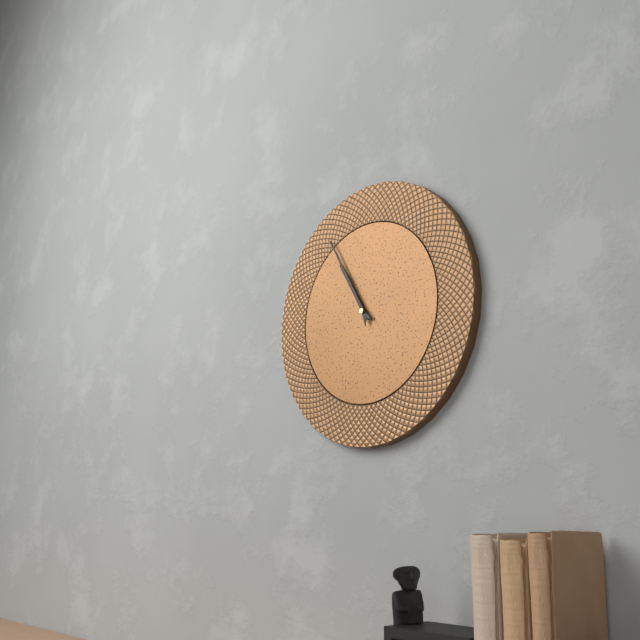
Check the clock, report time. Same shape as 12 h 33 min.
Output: 10 h 55 min
